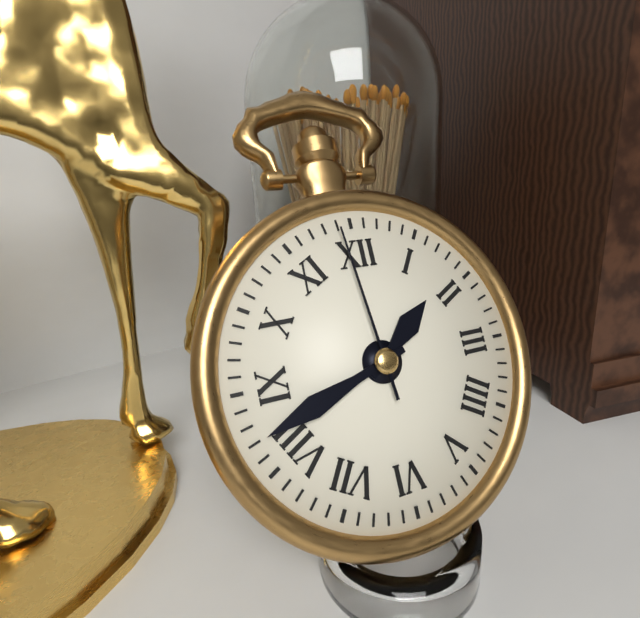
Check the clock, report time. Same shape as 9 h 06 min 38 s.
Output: 1 h 42 min 59 s
